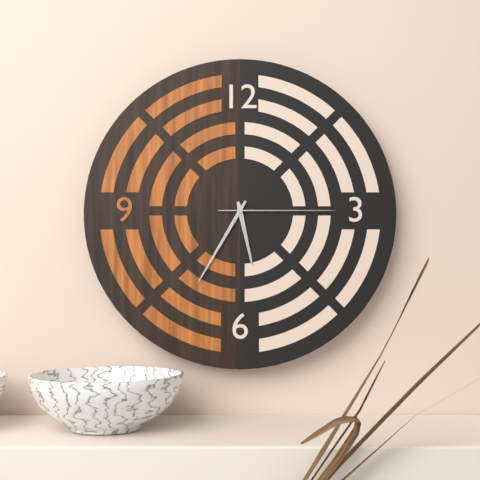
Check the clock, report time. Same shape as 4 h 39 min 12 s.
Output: 5 h 35 min 15 s
